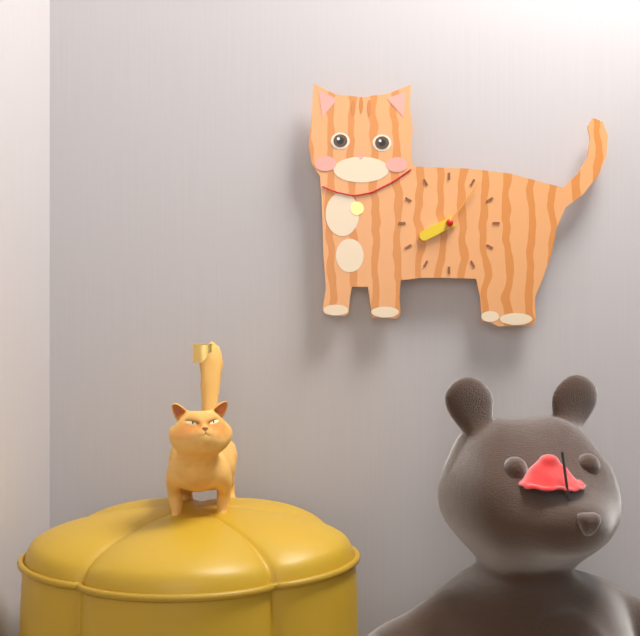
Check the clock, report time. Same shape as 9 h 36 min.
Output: 8 h 06 min
